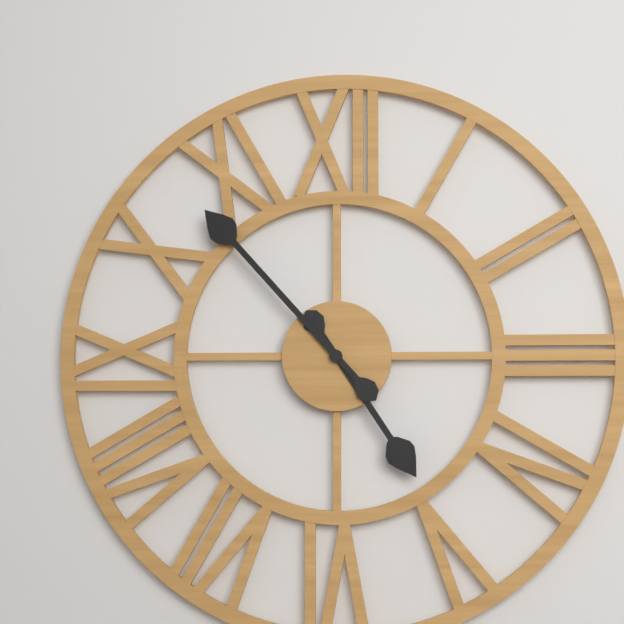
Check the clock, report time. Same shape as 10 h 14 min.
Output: 4 h 53 min
